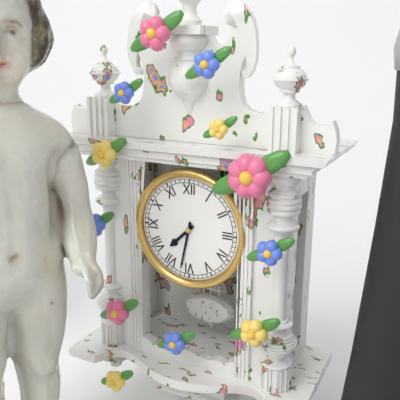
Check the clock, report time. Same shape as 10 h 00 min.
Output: 7 h 32 min
